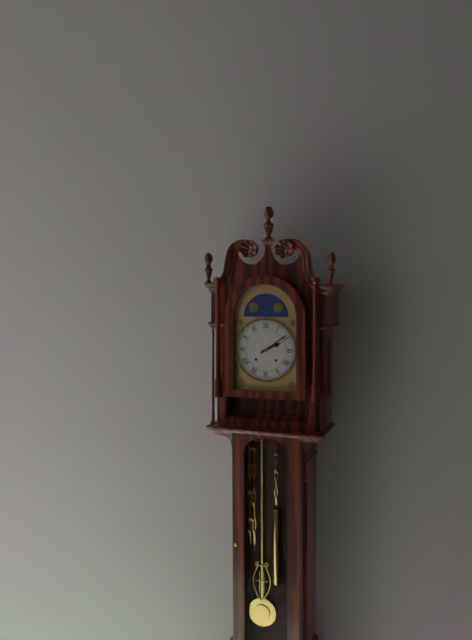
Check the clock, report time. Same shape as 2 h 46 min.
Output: 2 h 09 min
